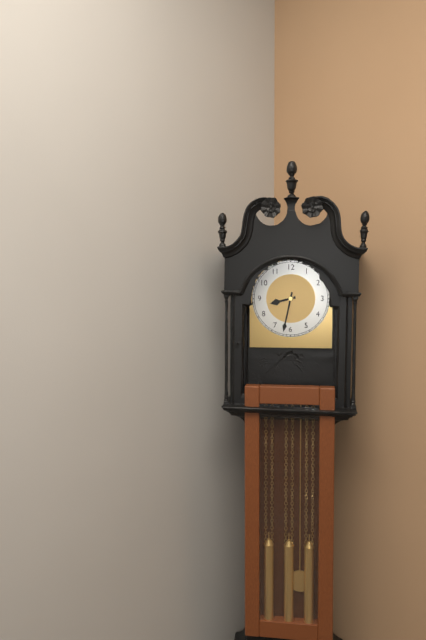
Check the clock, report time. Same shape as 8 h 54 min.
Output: 8 h 32 min
